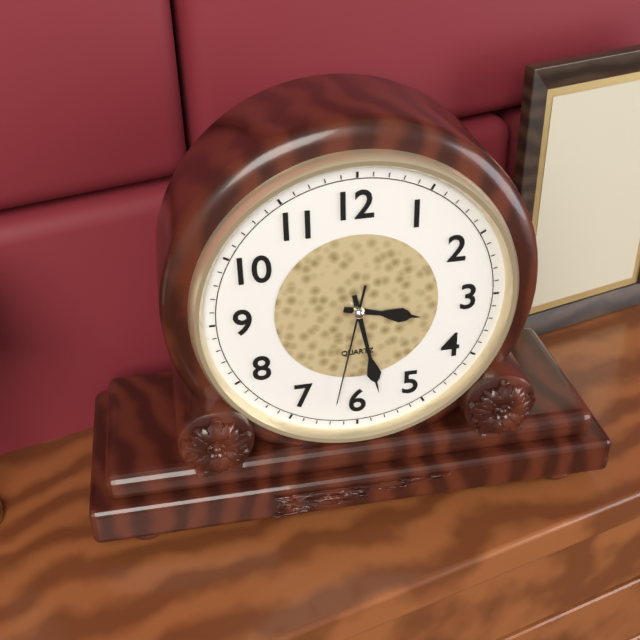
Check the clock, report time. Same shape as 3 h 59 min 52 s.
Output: 3 h 28 min 32 s
